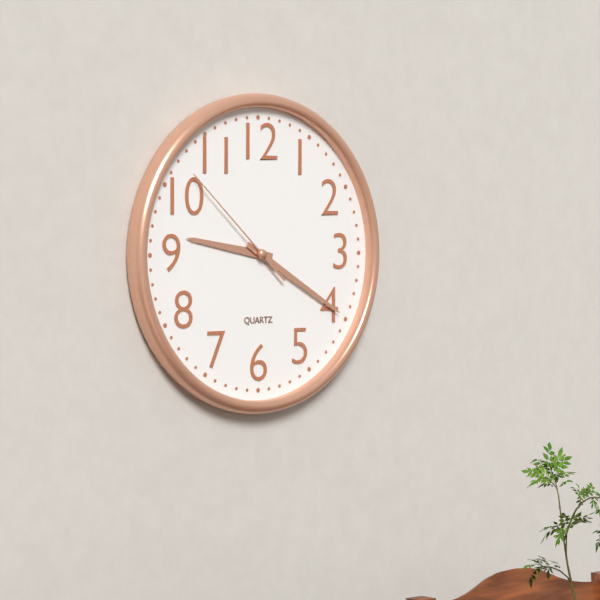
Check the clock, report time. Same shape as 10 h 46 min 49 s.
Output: 9 h 20 min 52 s
